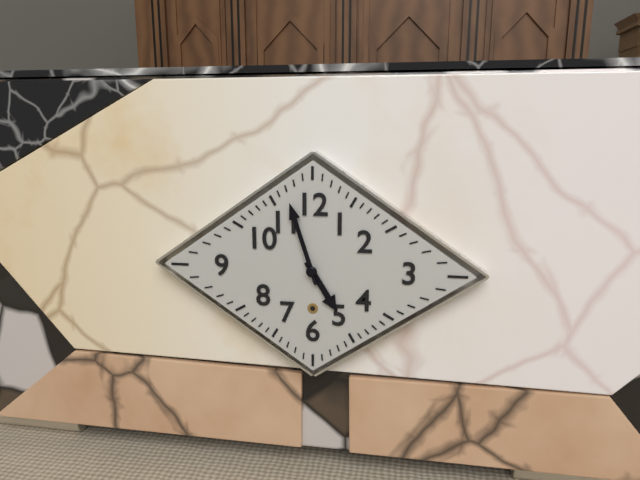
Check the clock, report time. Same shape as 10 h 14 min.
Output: 4 h 57 min
